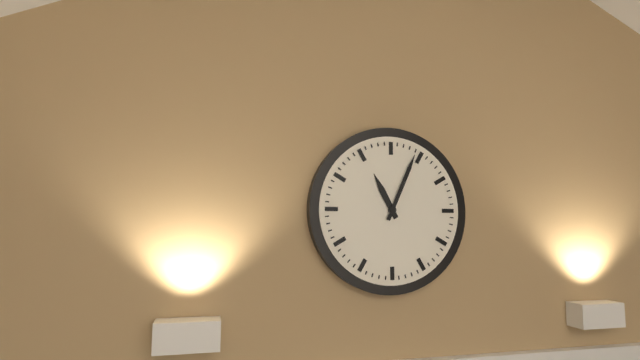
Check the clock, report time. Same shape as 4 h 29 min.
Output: 11 h 04 min
